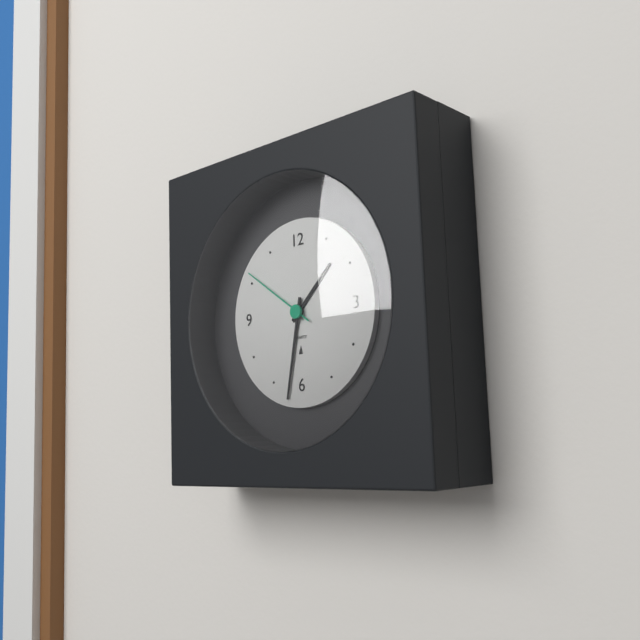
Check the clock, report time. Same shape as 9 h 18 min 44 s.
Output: 1 h 32 min 51 s
